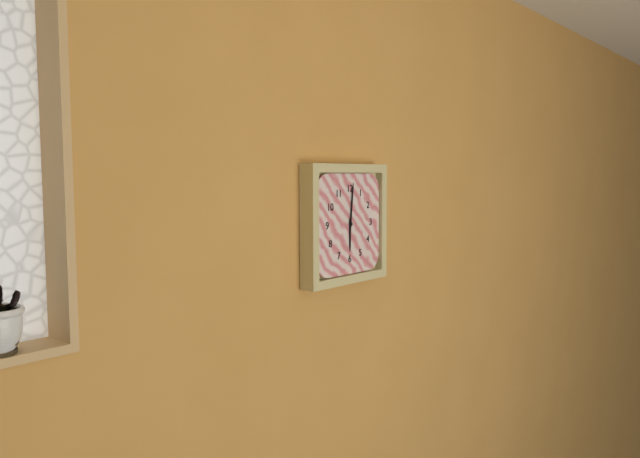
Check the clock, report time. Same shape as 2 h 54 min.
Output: 6 h 01 min
